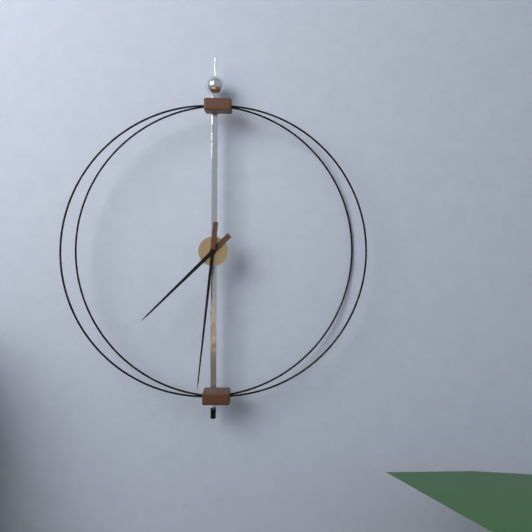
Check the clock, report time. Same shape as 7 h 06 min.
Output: 7 h 31 min
